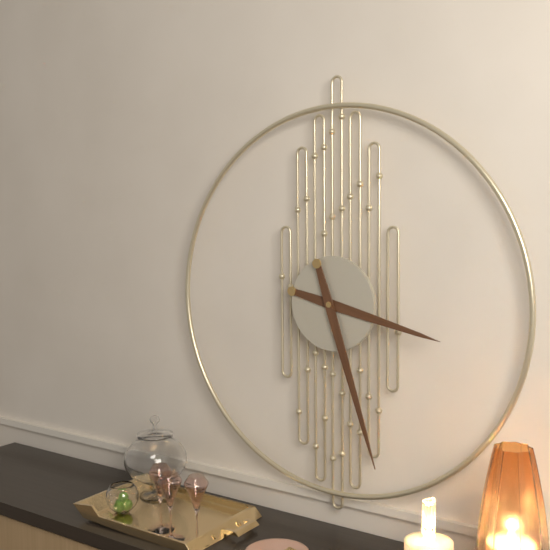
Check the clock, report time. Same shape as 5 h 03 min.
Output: 3 h 27 min
